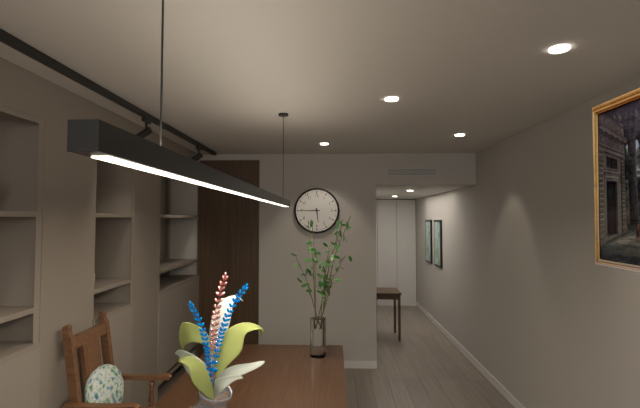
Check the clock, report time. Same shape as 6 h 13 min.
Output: 5 h 45 min
